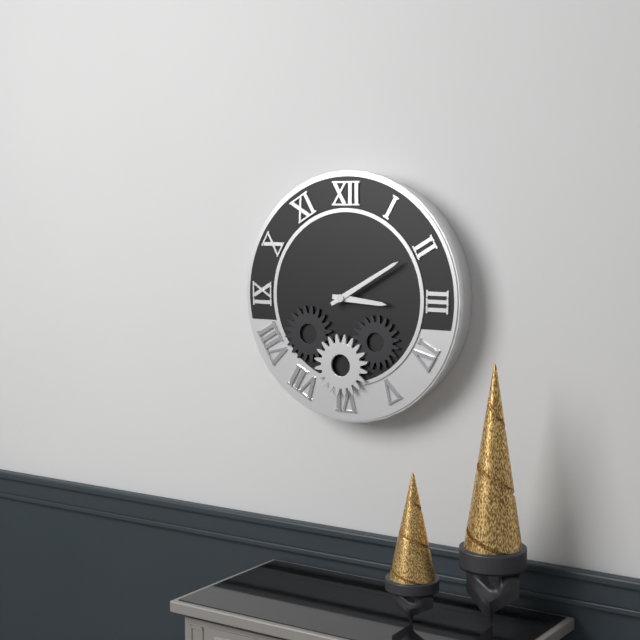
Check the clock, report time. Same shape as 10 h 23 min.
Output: 3 h 10 min
